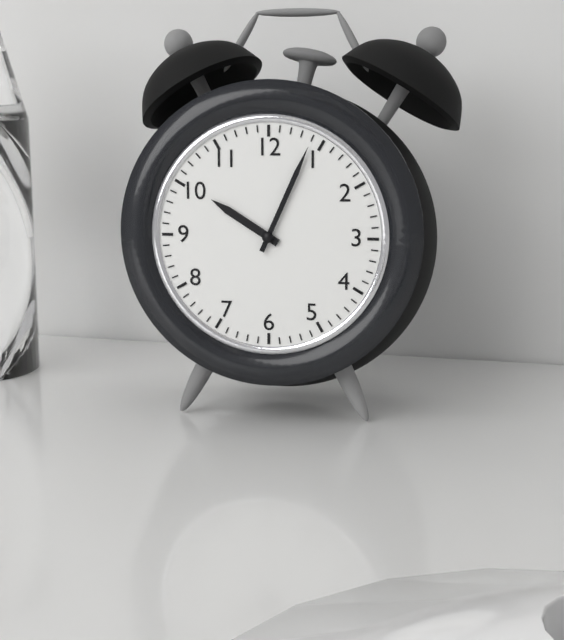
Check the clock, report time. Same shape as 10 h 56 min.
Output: 10 h 04 min
